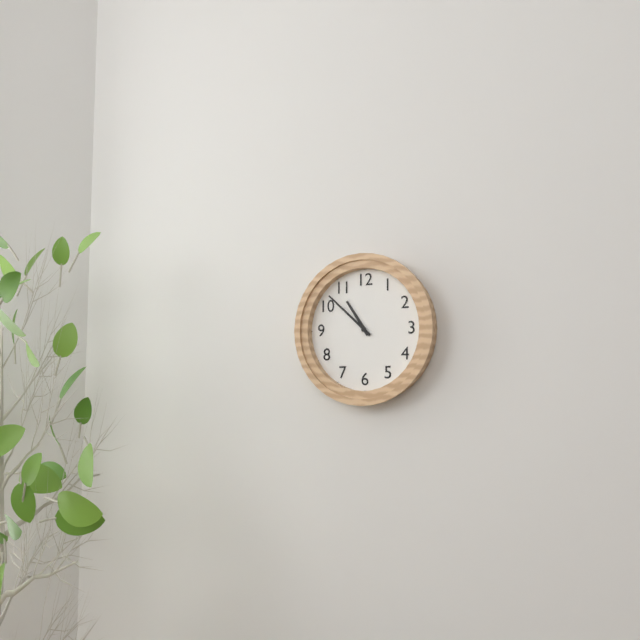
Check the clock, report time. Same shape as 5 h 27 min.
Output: 10 h 52 min
